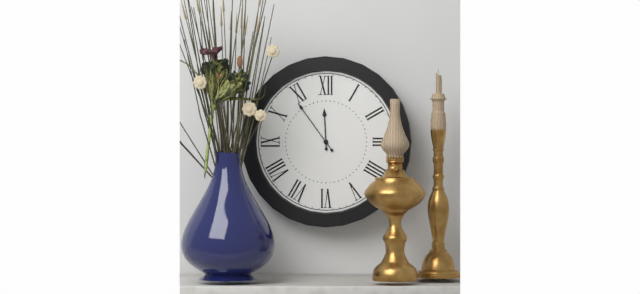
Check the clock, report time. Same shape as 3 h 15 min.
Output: 11 h 54 min
